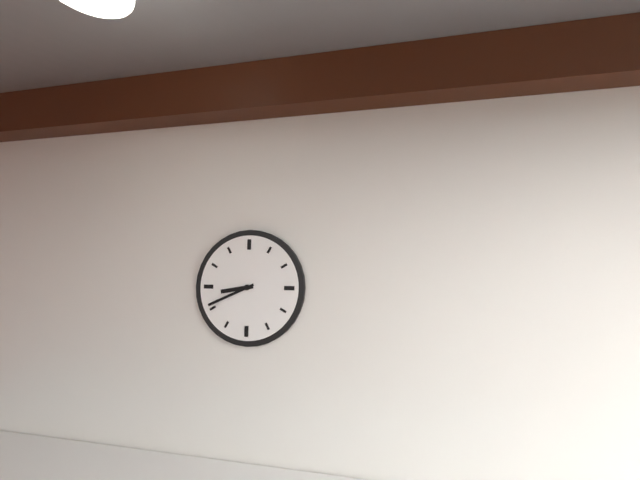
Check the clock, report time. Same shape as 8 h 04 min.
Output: 8 h 41 min
